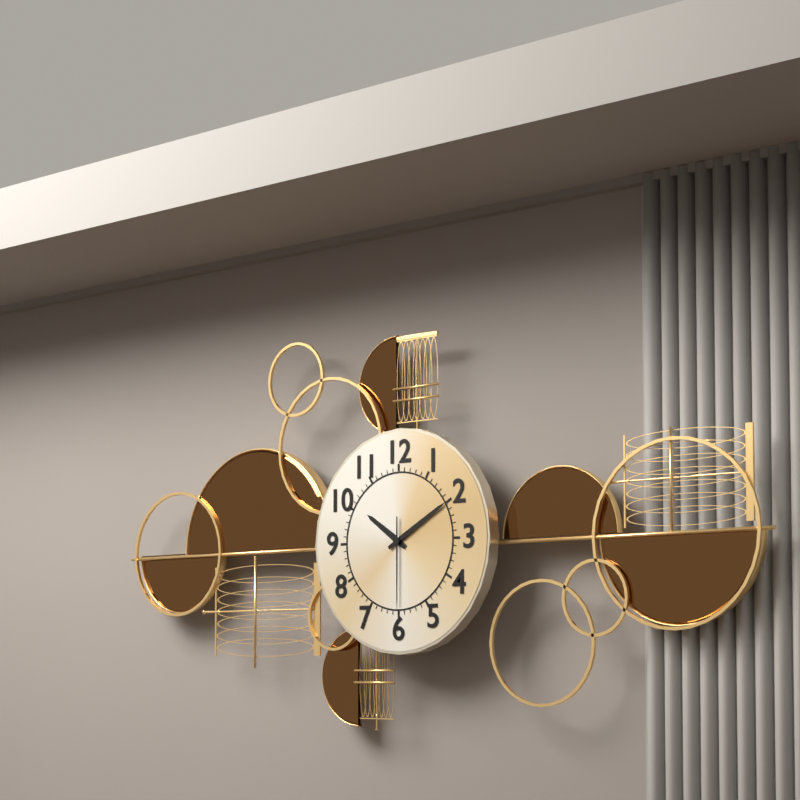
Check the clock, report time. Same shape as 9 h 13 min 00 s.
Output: 10 h 10 min 30 s
